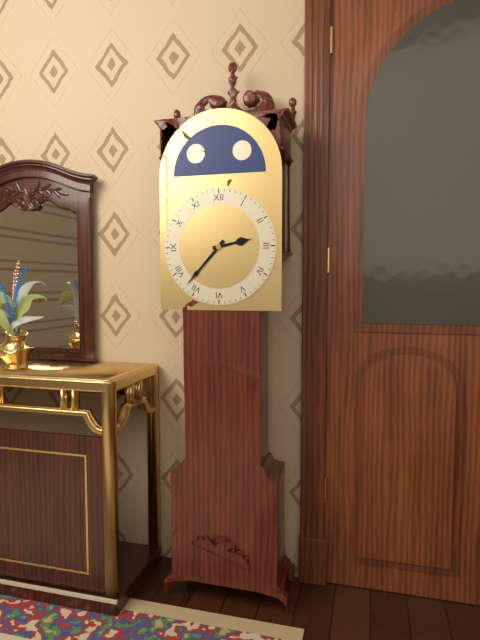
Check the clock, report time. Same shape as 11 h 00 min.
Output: 2 h 37 min
